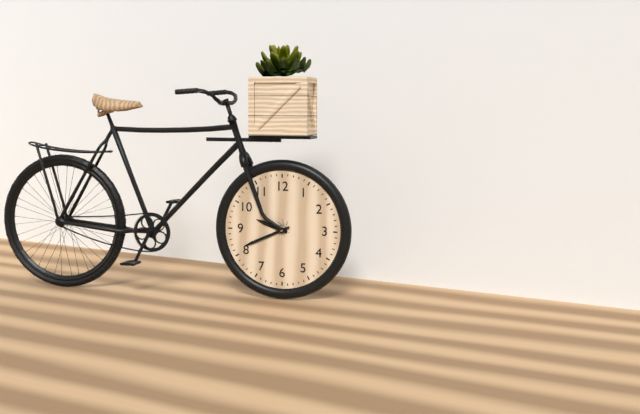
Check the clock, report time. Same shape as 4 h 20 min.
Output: 9 h 41 min
